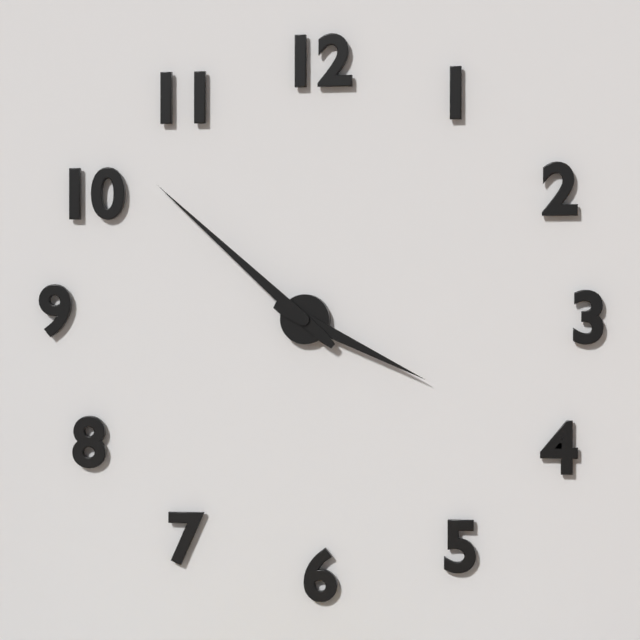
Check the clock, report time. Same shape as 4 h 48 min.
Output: 3 h 52 min
